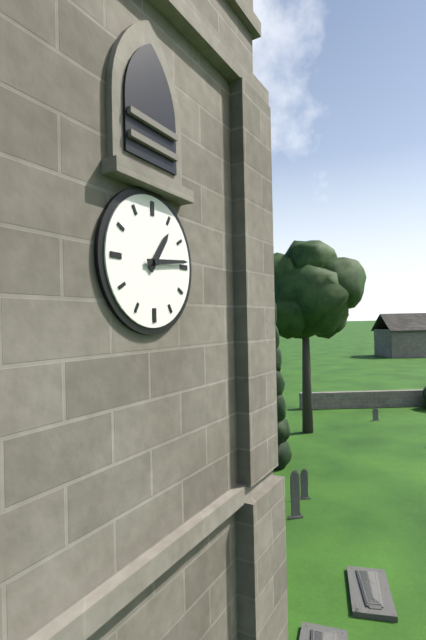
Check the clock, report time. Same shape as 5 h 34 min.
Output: 1 h 14 min
